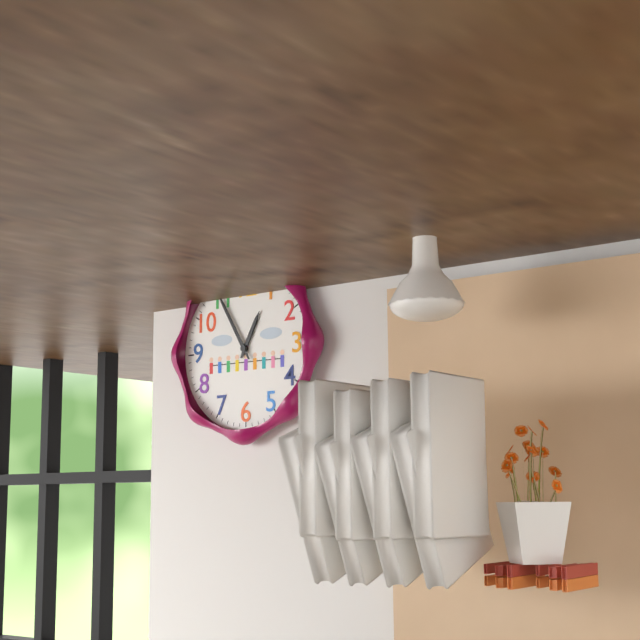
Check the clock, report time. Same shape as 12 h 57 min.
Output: 12 h 55 min
